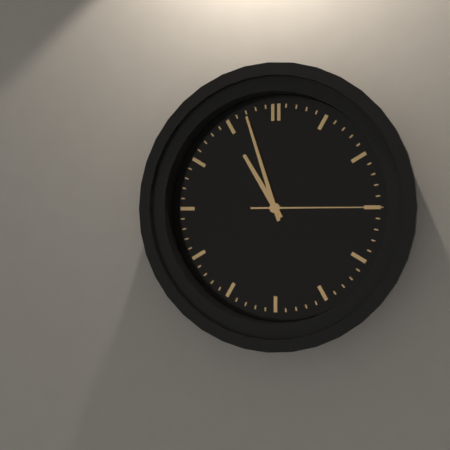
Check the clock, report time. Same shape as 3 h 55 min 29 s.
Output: 10 h 57 min 15 s
